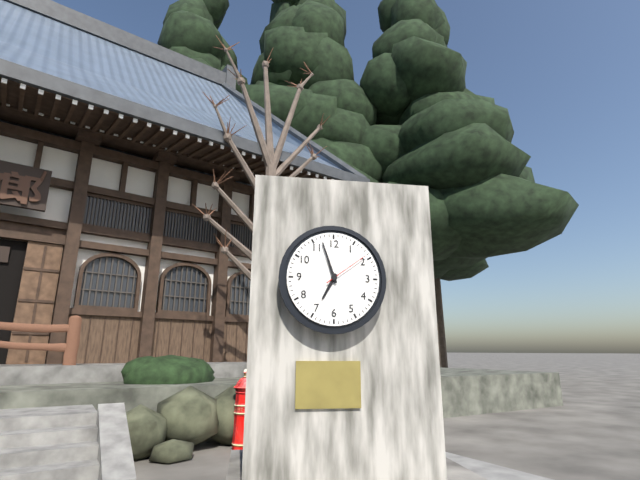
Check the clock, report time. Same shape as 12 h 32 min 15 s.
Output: 6 h 57 min 09 s
